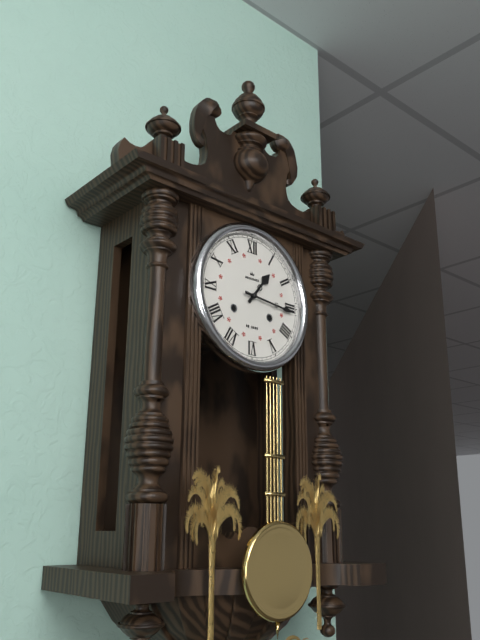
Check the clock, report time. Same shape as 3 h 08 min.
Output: 1 h 16 min
